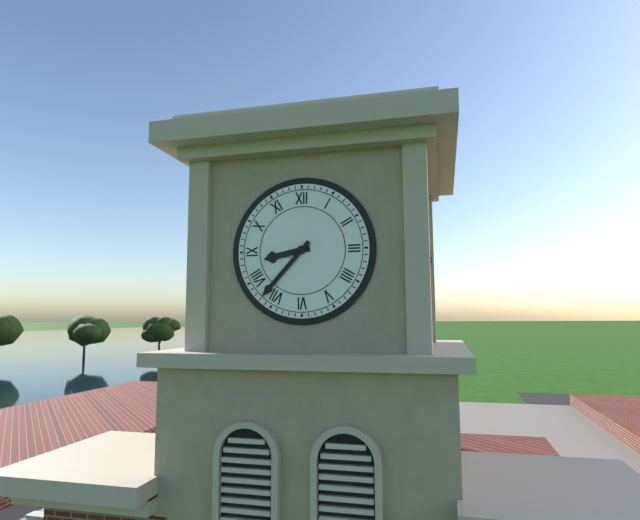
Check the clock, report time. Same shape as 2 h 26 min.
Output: 8 h 37 min
